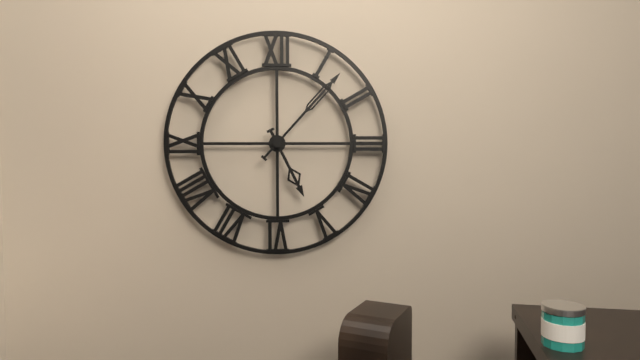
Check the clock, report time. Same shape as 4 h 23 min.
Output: 5 h 07 min
